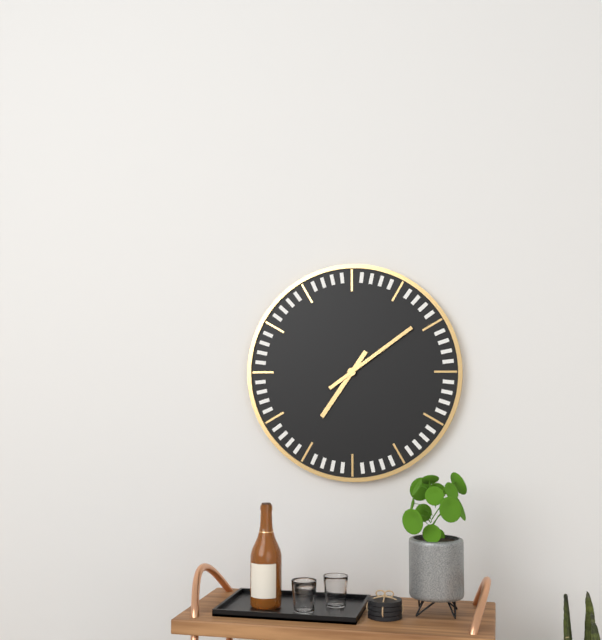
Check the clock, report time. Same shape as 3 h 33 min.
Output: 7 h 09 min
